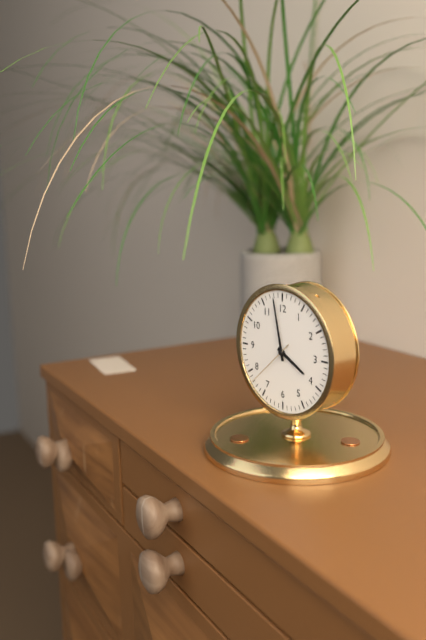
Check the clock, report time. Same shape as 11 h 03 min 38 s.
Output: 3 h 58 min 38 s
